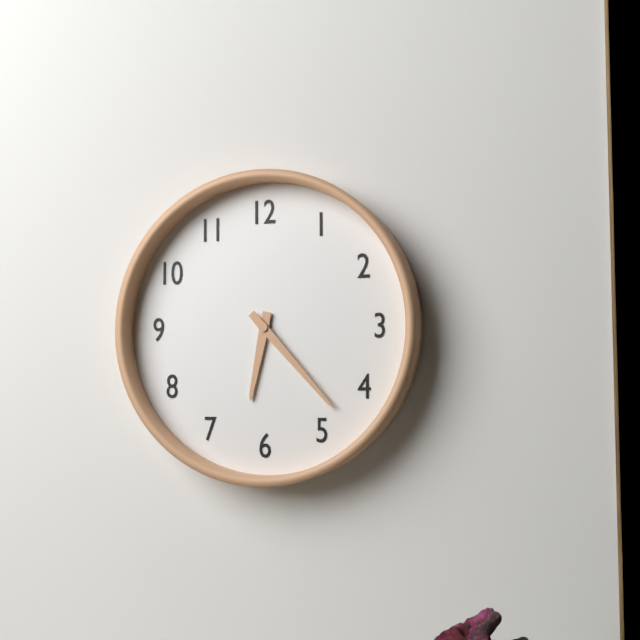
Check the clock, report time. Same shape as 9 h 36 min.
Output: 6 h 23 min
